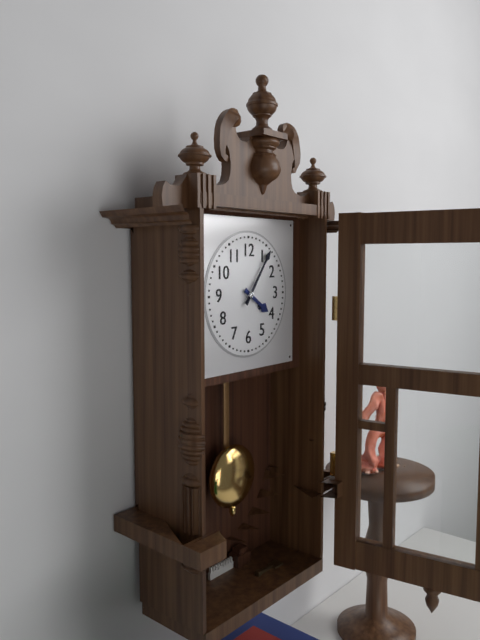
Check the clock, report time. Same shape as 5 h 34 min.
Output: 4 h 06 min
